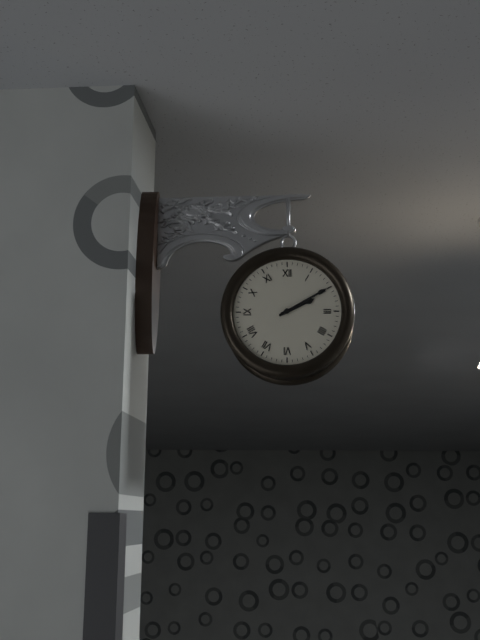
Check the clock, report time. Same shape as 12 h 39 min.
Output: 2 h 10 min
